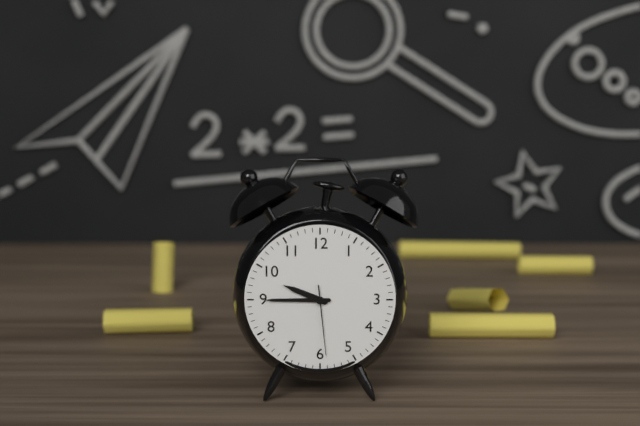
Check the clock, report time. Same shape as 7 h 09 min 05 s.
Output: 9 h 45 min 29 s
